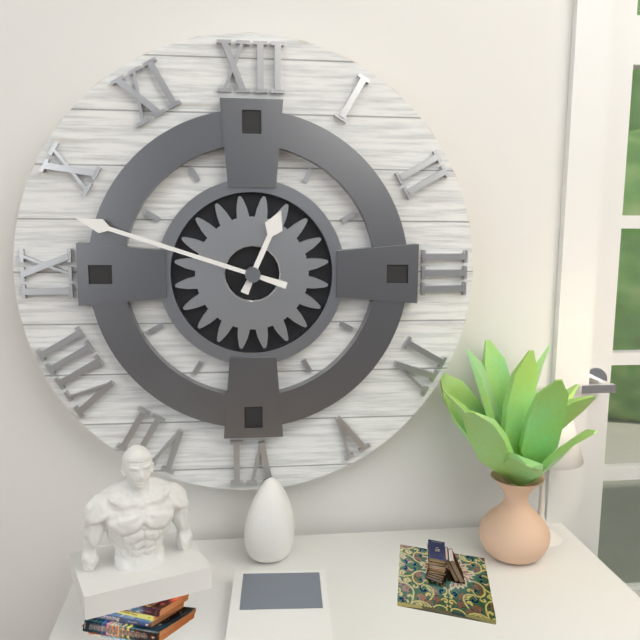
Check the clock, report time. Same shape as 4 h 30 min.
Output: 12 h 48 min
